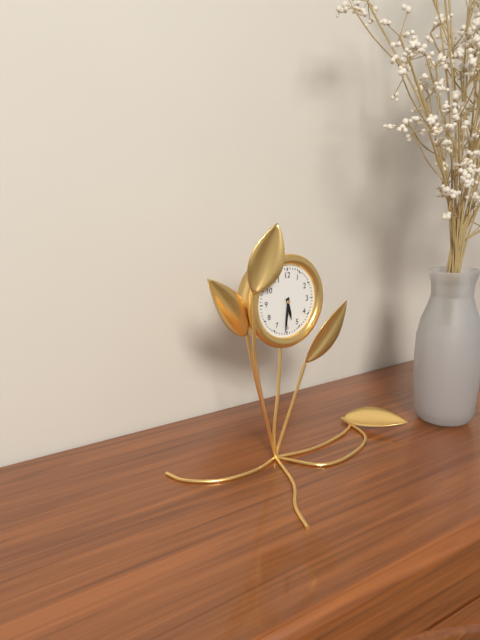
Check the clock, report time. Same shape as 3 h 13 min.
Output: 5 h 31 min
